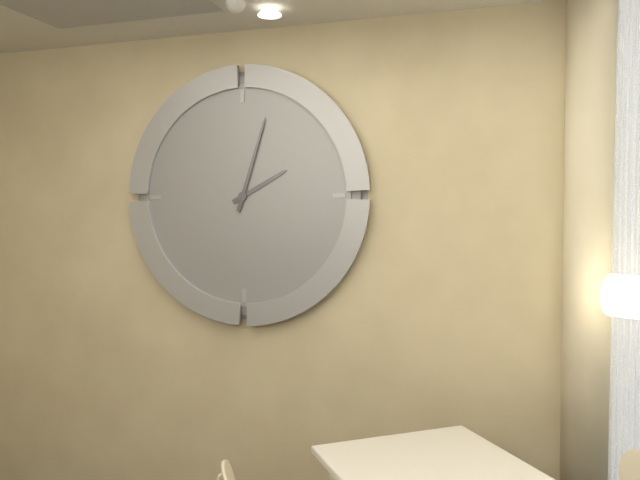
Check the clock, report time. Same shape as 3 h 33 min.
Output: 2 h 03 min
